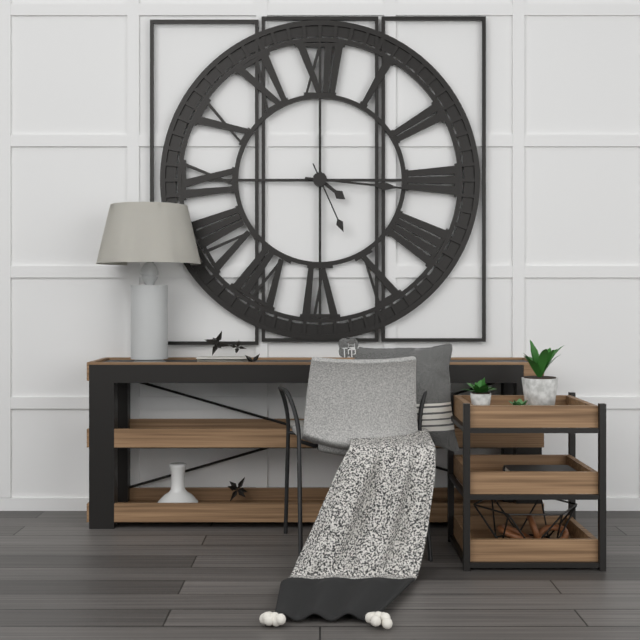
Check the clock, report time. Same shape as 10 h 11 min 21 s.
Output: 4 h 16 min 26 s
